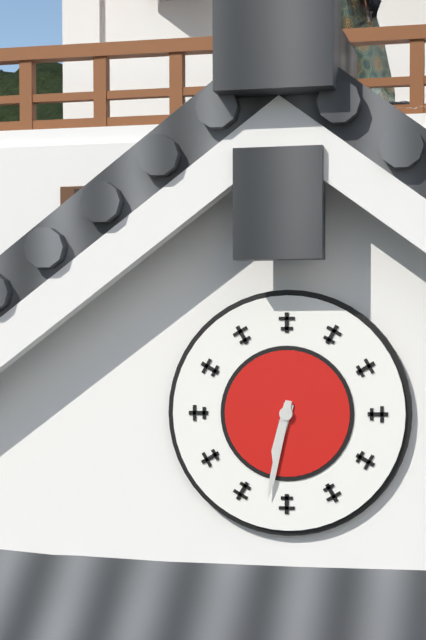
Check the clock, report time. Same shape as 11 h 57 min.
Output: 6 h 32 min
